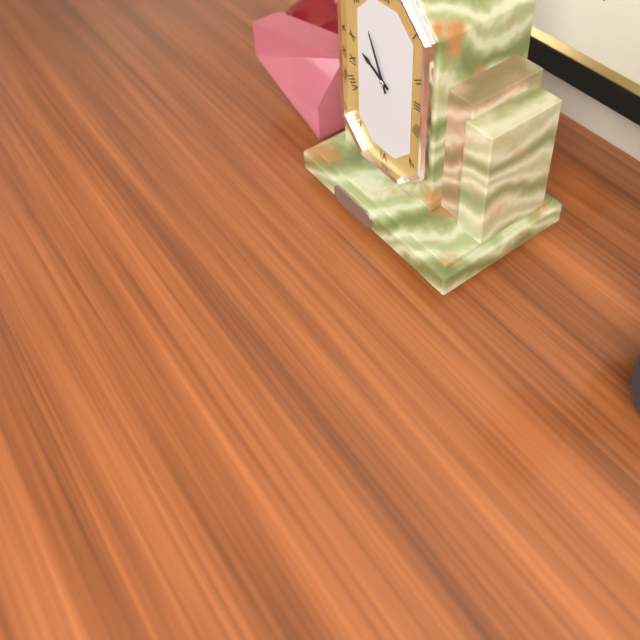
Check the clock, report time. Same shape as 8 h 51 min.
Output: 9 h 56 min
